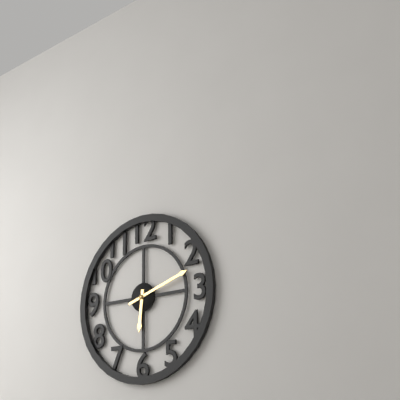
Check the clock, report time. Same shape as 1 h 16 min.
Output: 6 h 12 min
